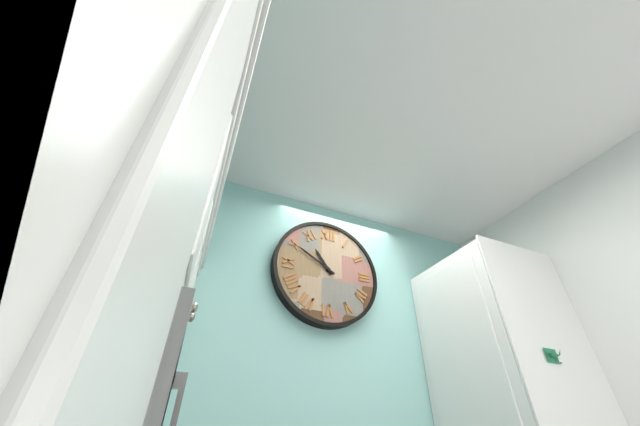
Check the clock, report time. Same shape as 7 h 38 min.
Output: 10 h 50 min
